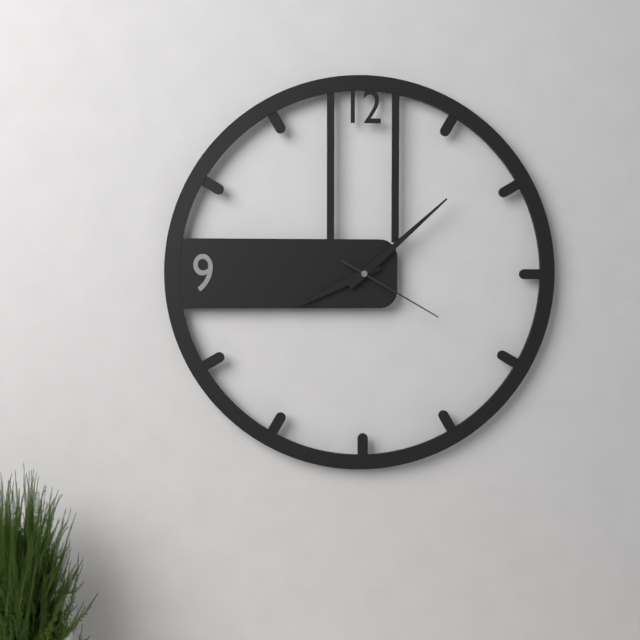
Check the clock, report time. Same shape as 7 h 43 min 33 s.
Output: 8 h 08 min 20 s
